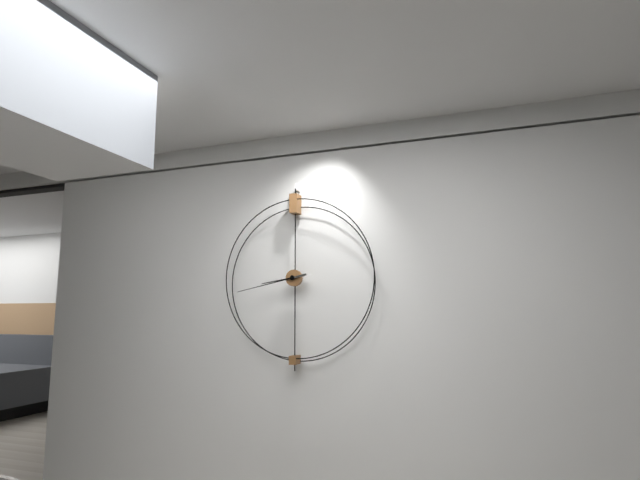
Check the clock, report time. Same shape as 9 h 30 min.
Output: 8 h 43 min
